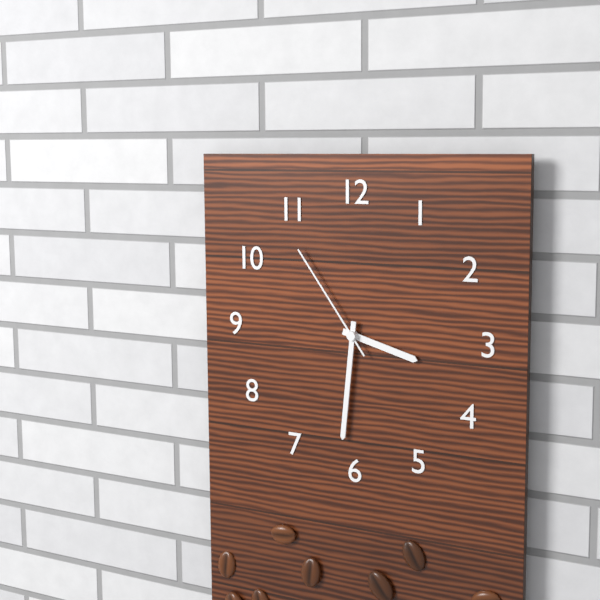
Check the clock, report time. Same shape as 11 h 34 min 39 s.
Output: 3 h 31 min 54 s
